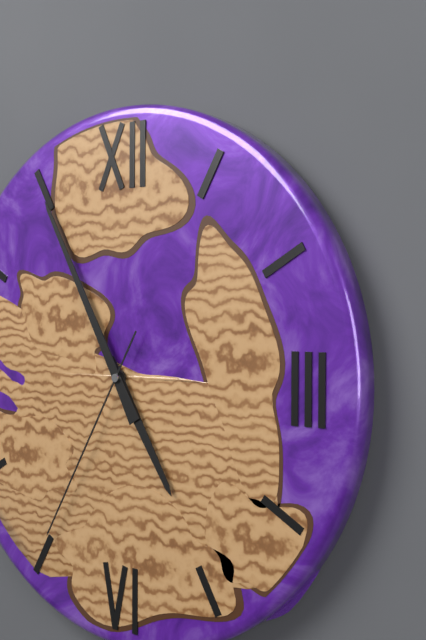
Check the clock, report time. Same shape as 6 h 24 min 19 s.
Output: 4 h 55 min 35 s
